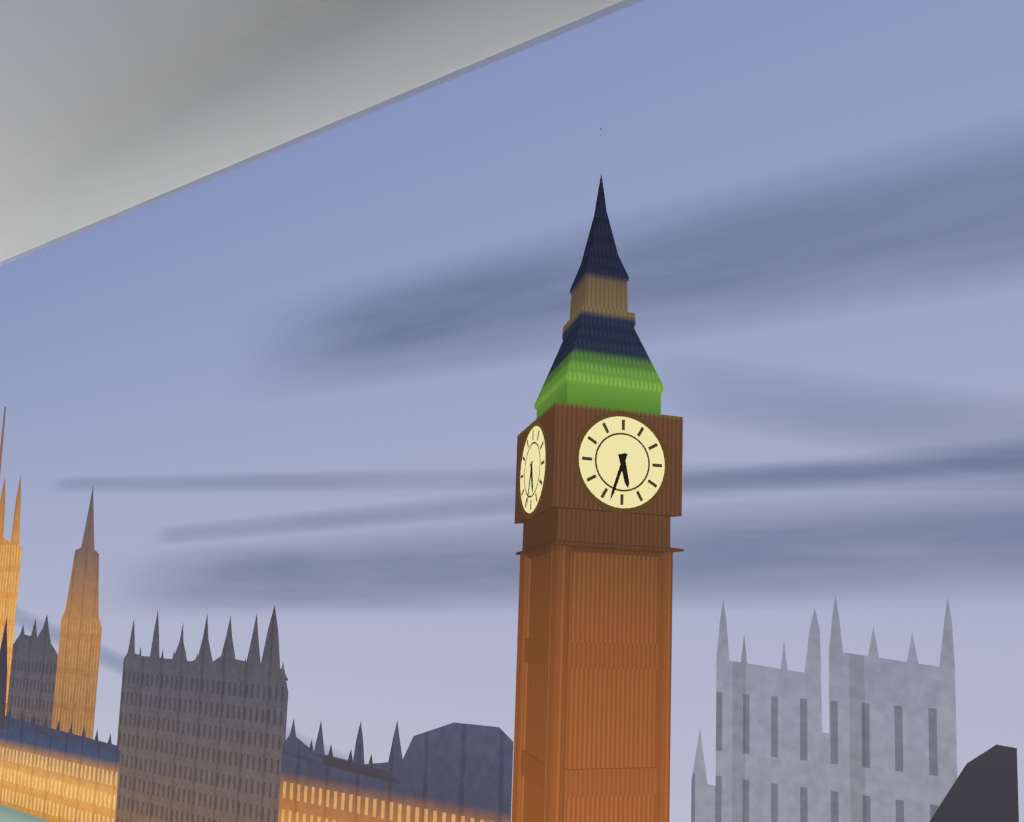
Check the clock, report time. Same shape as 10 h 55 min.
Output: 5 h 33 min
